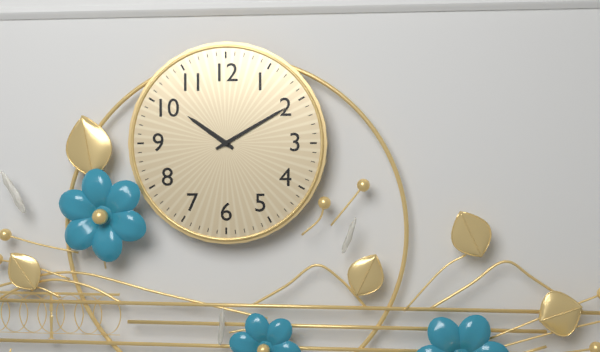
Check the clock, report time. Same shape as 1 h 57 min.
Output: 10 h 10 min
